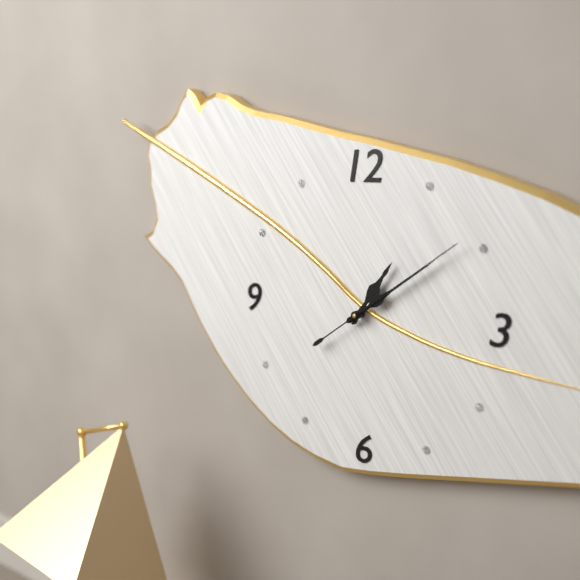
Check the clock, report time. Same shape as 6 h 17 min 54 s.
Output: 1 h 09 min 09 s
